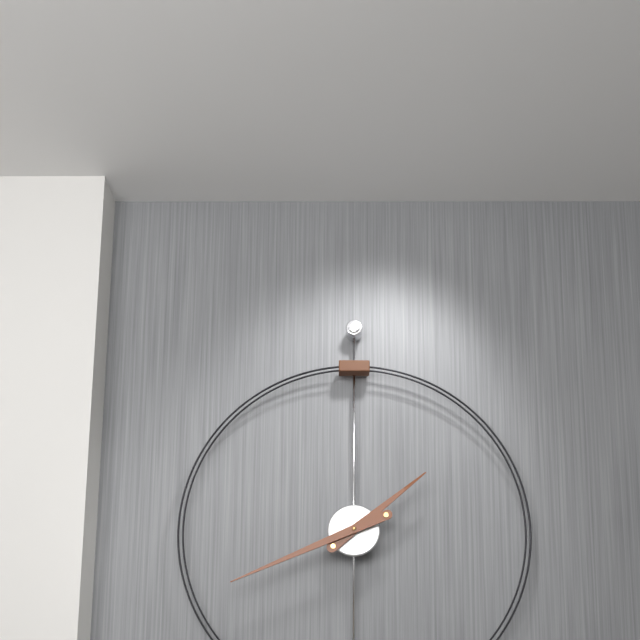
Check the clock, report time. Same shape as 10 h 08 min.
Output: 1 h 41 min
